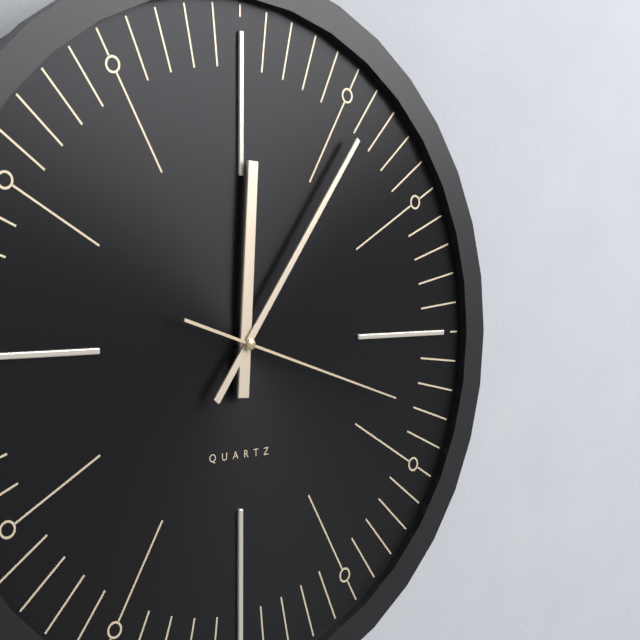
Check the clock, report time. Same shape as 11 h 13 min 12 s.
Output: 12 h 06 min 18 s
